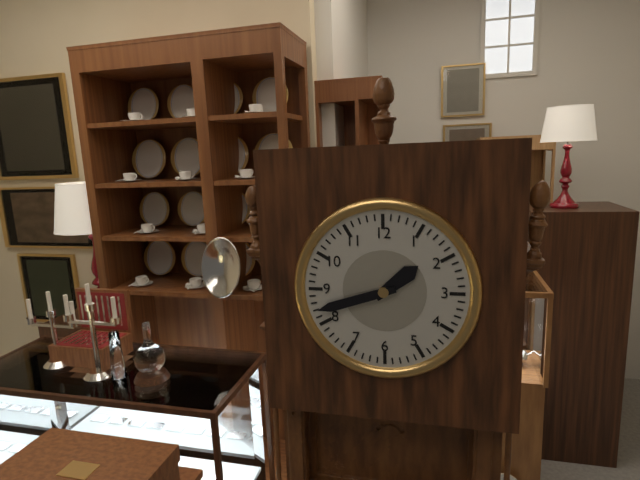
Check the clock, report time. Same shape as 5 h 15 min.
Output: 1 h 42 min
